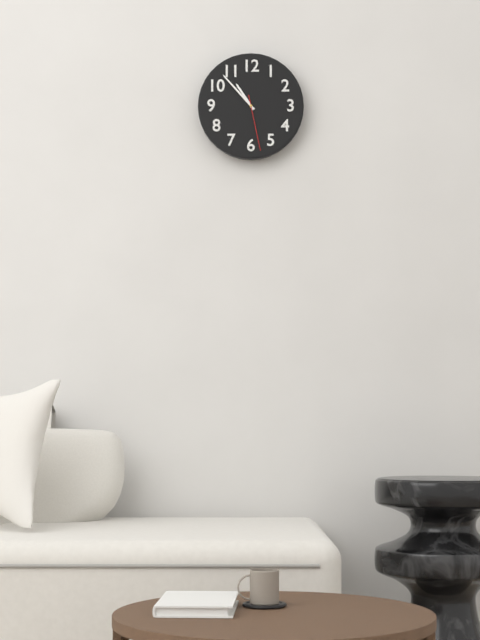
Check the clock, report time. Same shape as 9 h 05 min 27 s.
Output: 10 h 53 min 28 s
